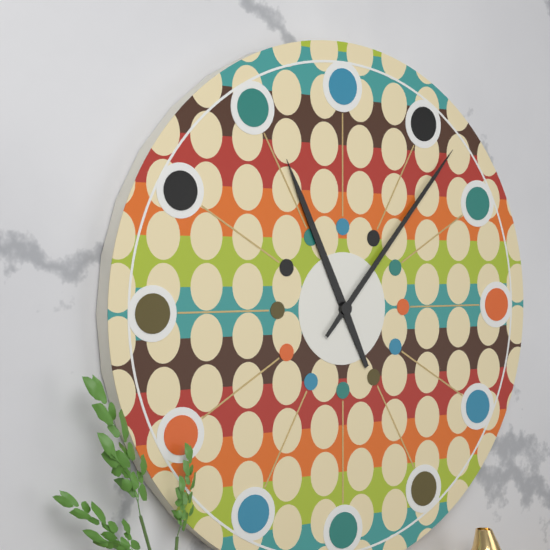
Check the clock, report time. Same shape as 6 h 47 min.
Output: 11 h 07 min
